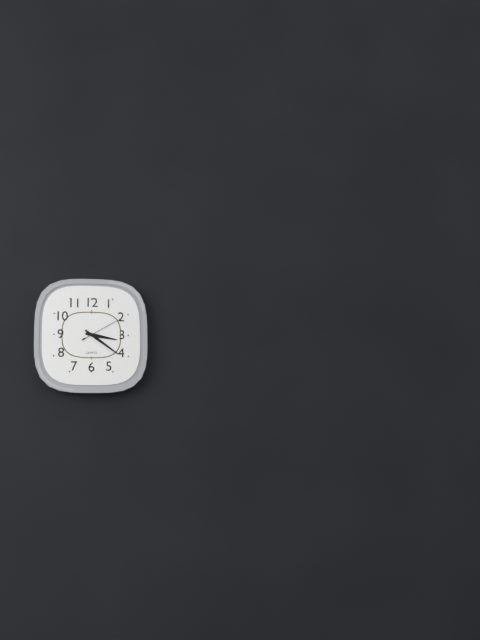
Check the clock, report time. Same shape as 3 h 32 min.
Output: 3 h 21 min
